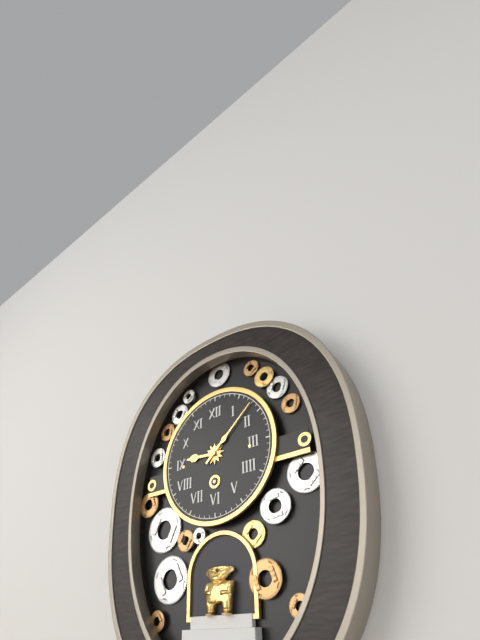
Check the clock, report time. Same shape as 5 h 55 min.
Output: 9 h 08 min
